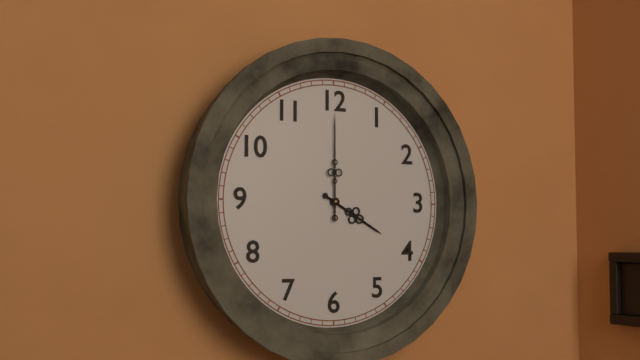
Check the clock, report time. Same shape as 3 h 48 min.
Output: 4 h 00 min
